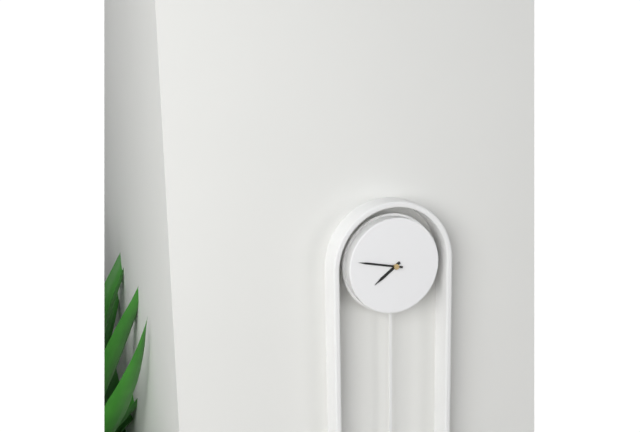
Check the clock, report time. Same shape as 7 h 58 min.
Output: 7 h 47 min
